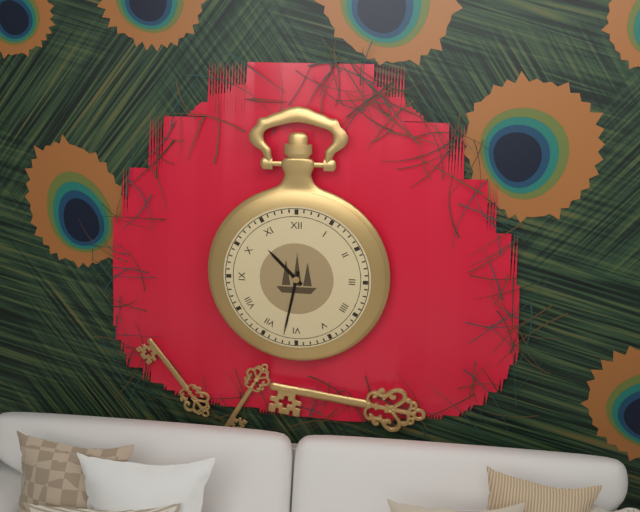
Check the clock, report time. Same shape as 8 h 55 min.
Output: 10 h 32 min
